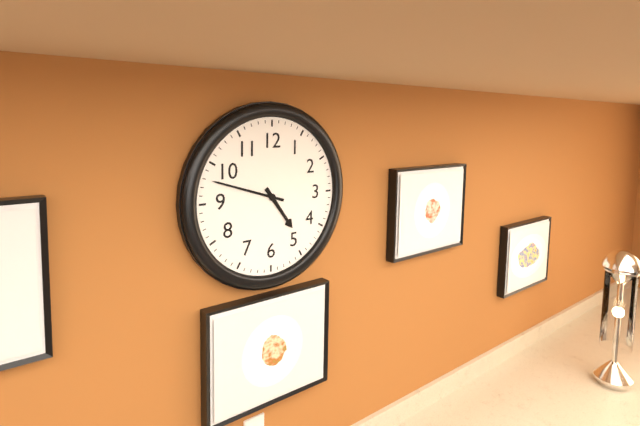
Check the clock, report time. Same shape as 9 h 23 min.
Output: 4 h 48 min
